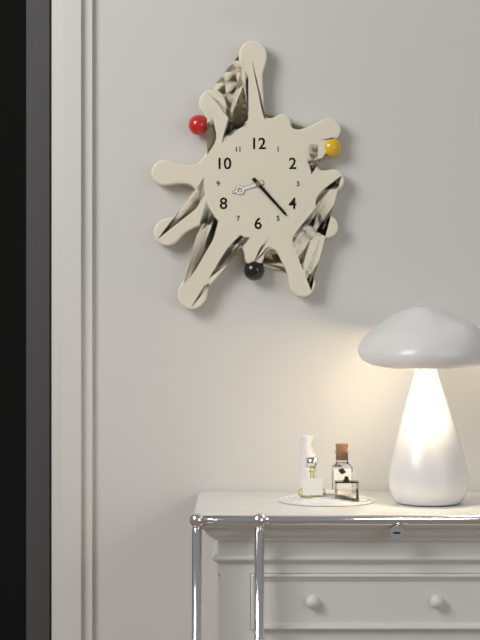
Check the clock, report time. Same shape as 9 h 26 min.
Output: 8 h 23 min
